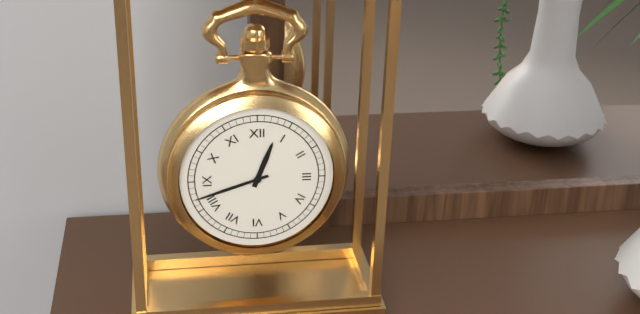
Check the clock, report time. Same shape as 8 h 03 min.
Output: 12 h 42 min
